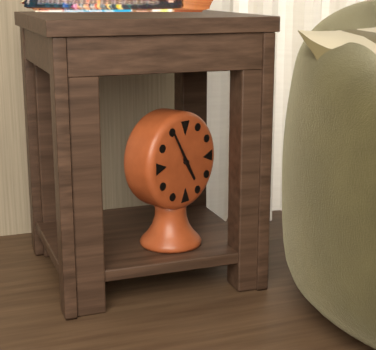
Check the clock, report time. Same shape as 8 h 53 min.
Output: 4 h 55 min
